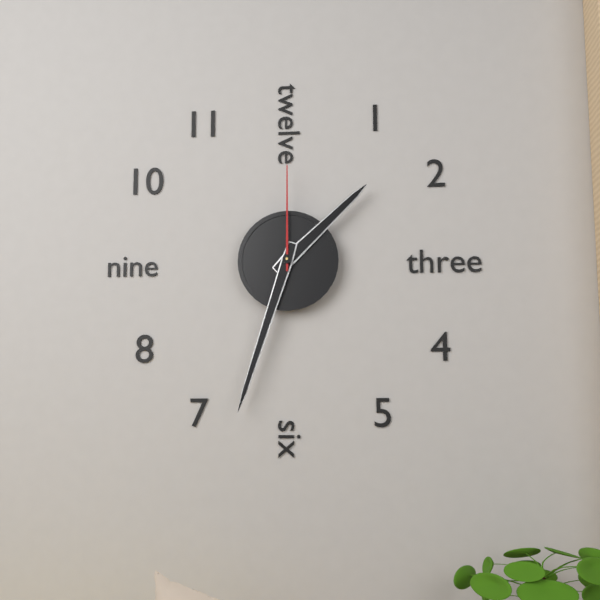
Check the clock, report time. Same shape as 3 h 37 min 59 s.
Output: 1 h 33 min 00 s
